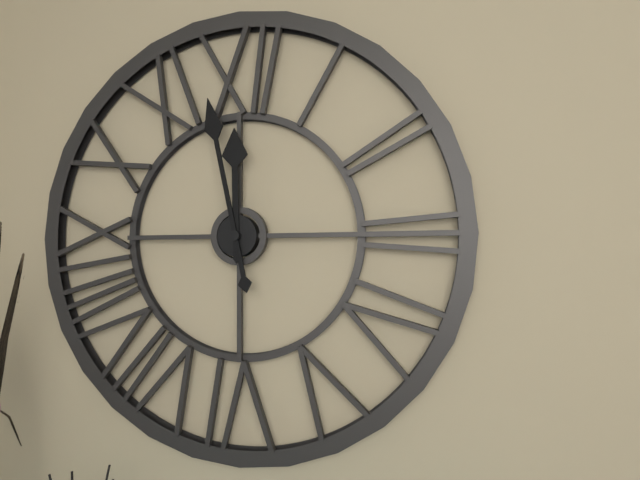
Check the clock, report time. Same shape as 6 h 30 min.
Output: 11 h 58 min
